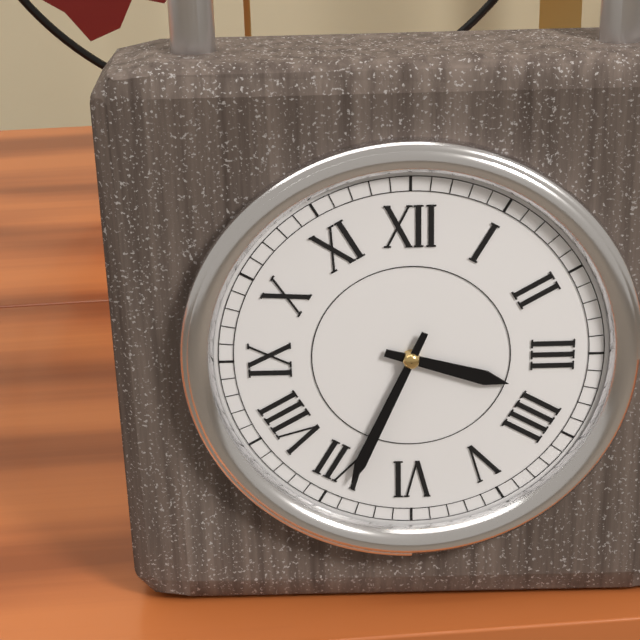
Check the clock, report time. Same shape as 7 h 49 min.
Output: 3 h 34 min
